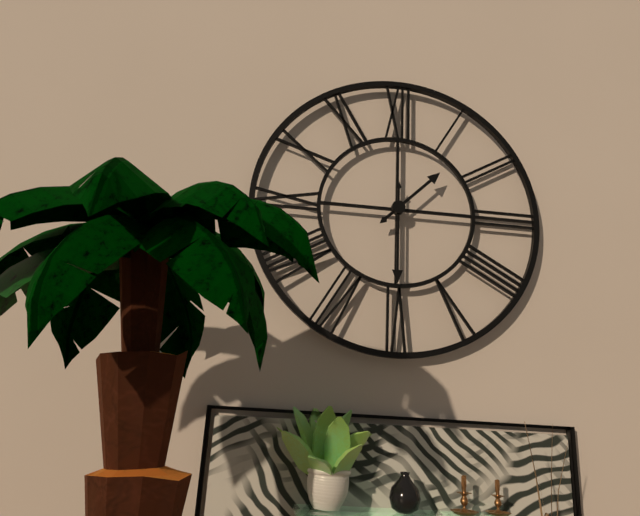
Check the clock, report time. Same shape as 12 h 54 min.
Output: 1 h 30 min
